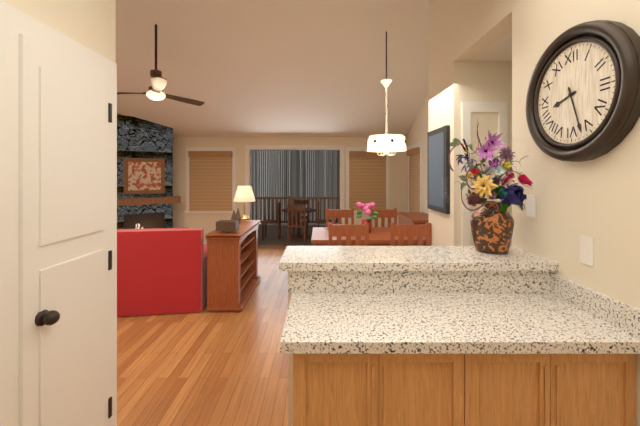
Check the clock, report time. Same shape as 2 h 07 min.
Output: 8 h 27 min
